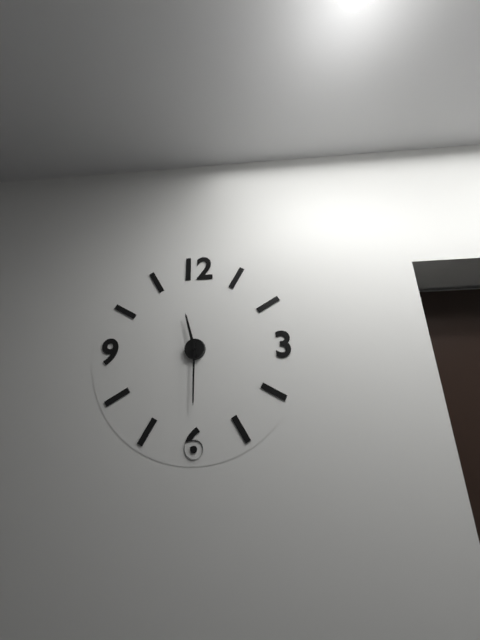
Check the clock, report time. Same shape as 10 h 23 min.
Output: 11 h 30 min
